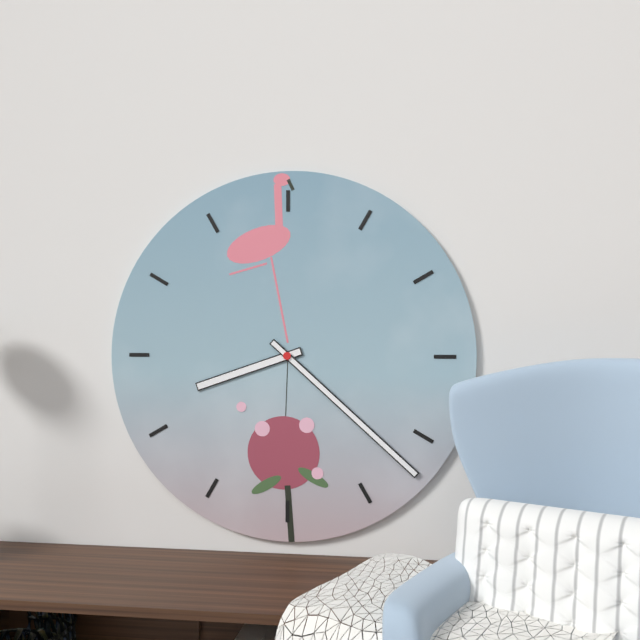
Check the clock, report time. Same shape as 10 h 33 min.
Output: 8 h 22 min
